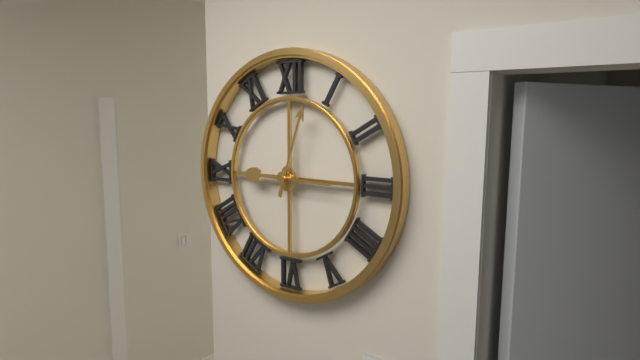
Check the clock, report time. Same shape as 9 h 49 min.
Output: 9 h 03 min
